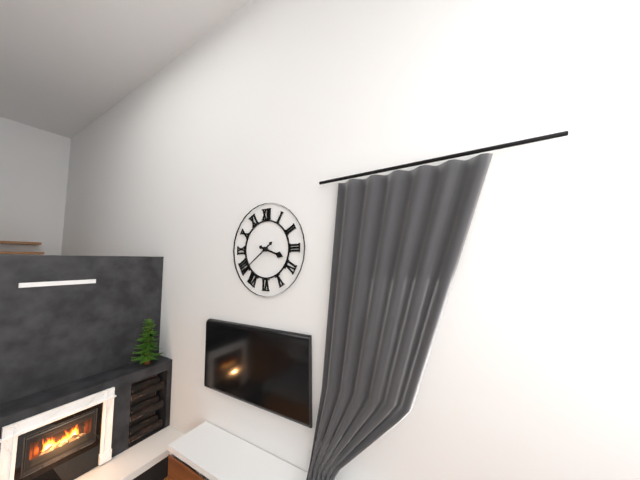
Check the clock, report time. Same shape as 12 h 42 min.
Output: 3 h 39 min
